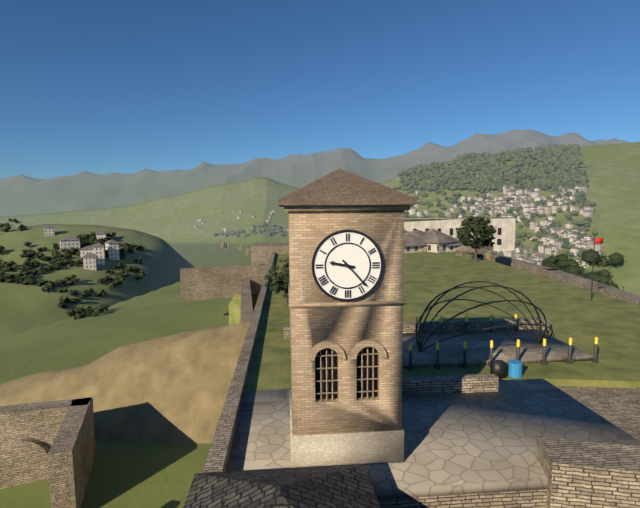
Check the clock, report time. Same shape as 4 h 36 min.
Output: 9 h 23 min
